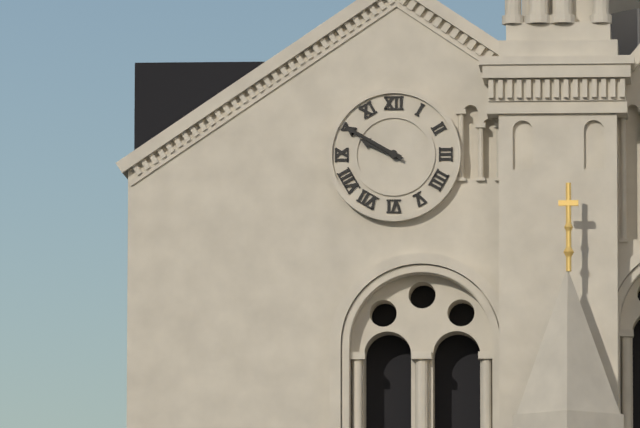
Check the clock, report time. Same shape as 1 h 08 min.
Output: 9 h 50 min
